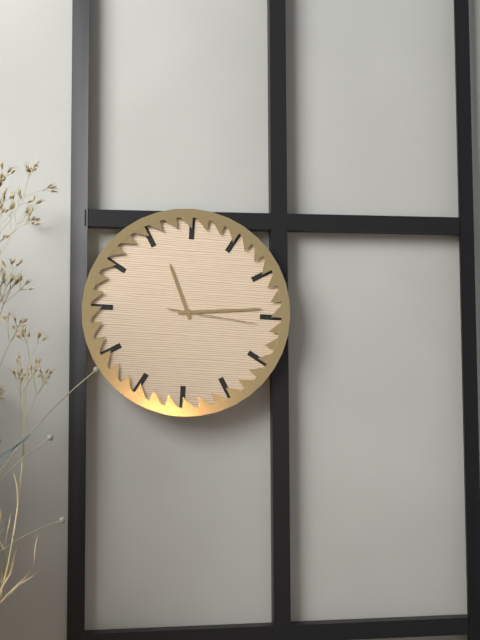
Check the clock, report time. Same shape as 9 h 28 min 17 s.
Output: 11 h 14 min 16 s
